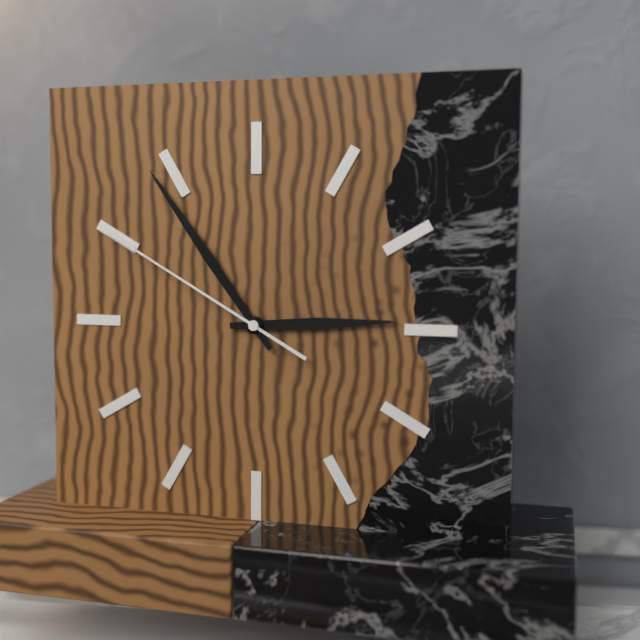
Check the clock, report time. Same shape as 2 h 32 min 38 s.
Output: 2 h 54 min 50 s
